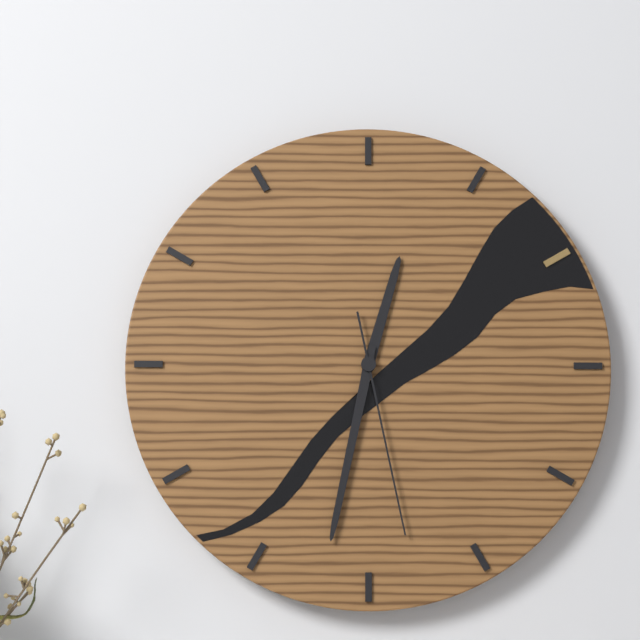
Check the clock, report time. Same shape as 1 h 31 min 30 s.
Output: 12 h 32 min 28 s
